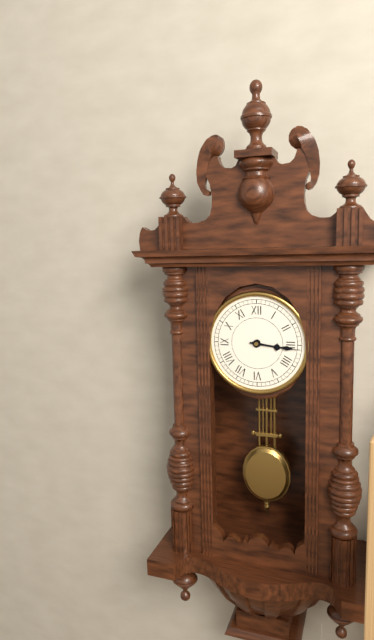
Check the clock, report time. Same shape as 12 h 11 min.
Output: 3 h 16 min
